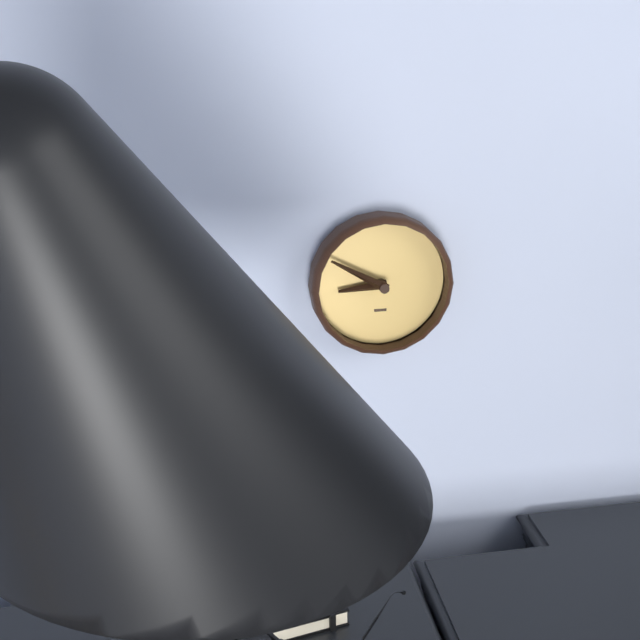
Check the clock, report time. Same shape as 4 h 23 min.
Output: 8 h 50 min
